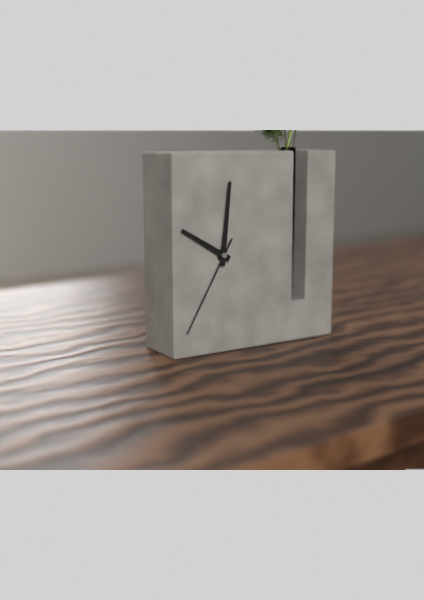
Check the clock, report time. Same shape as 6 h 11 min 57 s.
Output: 10 h 01 min 35 s
